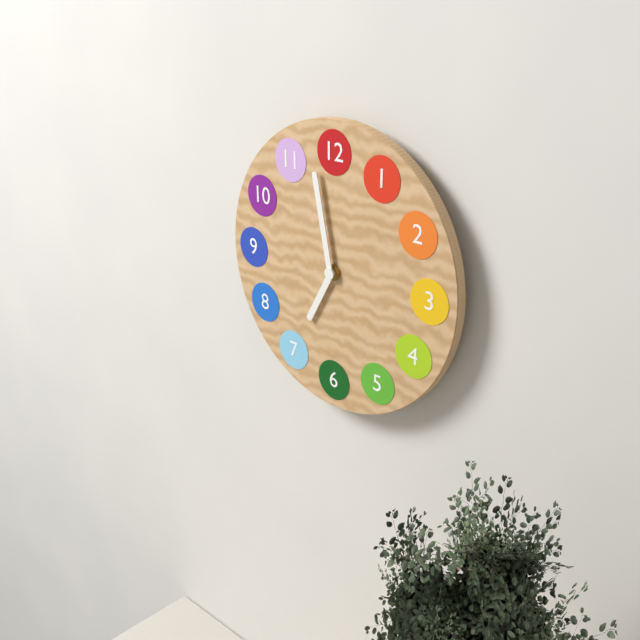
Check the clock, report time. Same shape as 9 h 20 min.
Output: 6 h 58 min
